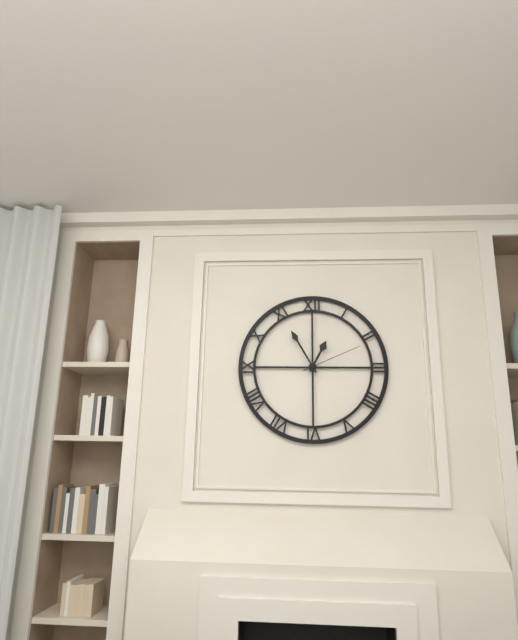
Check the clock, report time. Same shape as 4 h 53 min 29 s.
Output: 12 h 55 min 11 s
